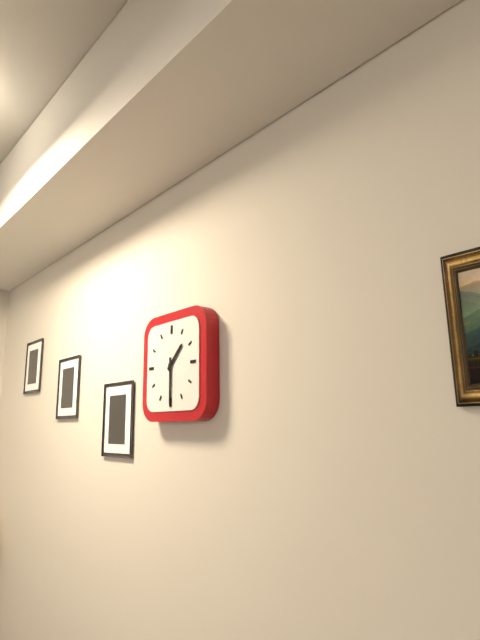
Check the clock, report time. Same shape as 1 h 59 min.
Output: 1 h 30 min
